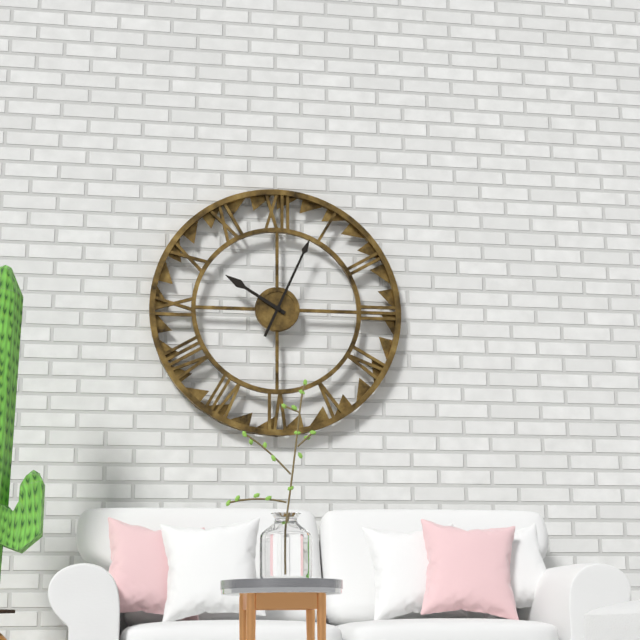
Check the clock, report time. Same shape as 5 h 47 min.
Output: 10 h 04 min
